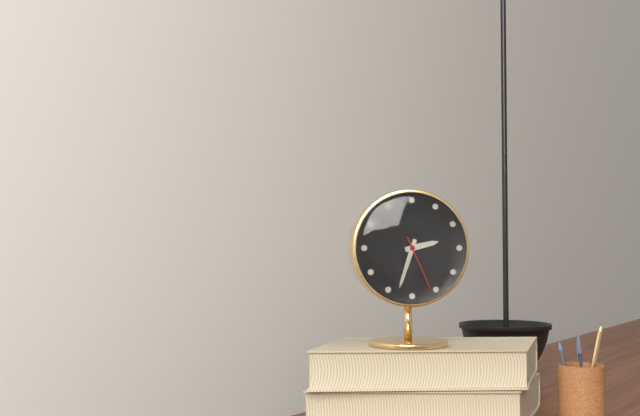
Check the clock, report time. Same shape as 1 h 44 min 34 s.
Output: 2 h 33 min 26 s
